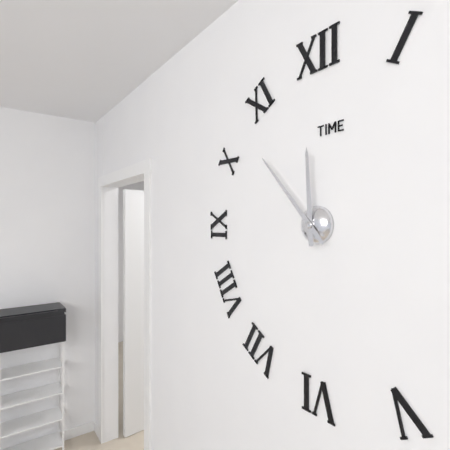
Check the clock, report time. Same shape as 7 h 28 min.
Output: 11 h 53 min
